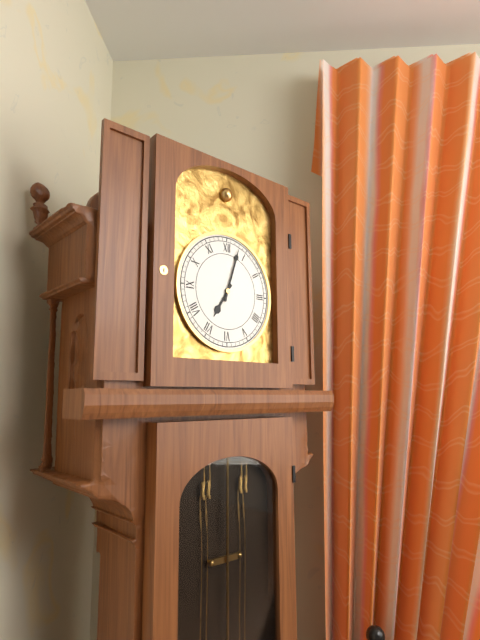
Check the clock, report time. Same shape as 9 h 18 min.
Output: 7 h 03 min
